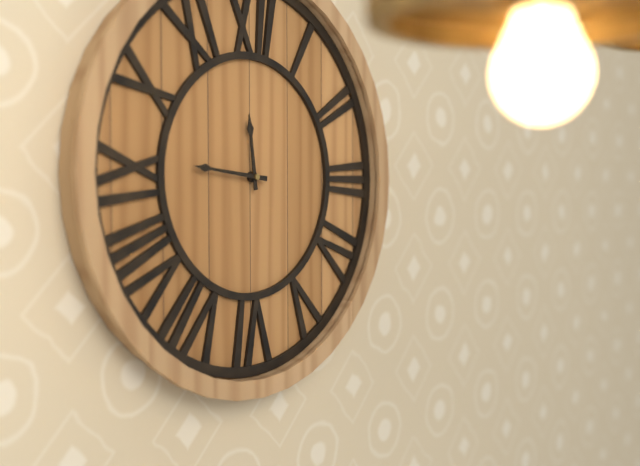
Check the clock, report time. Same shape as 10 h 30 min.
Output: 11 h 46 min
